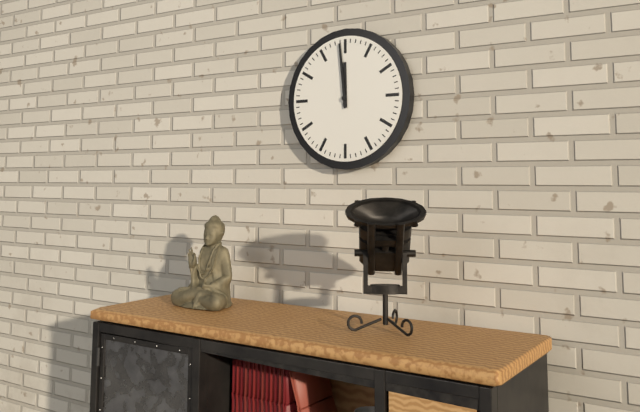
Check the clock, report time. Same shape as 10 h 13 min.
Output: 11 h 59 min
